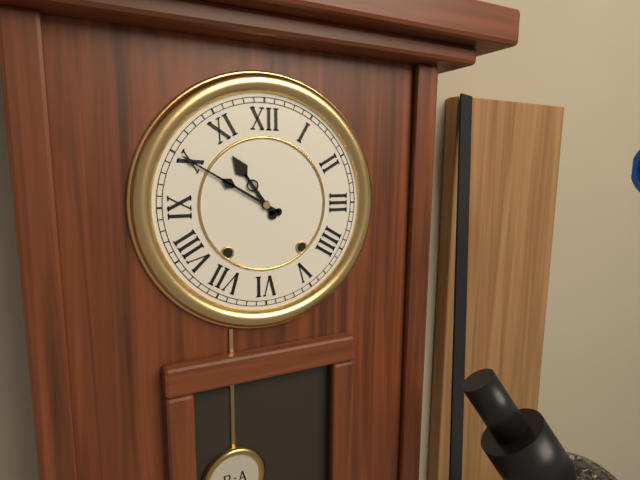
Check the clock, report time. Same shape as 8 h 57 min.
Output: 10 h 50 min
